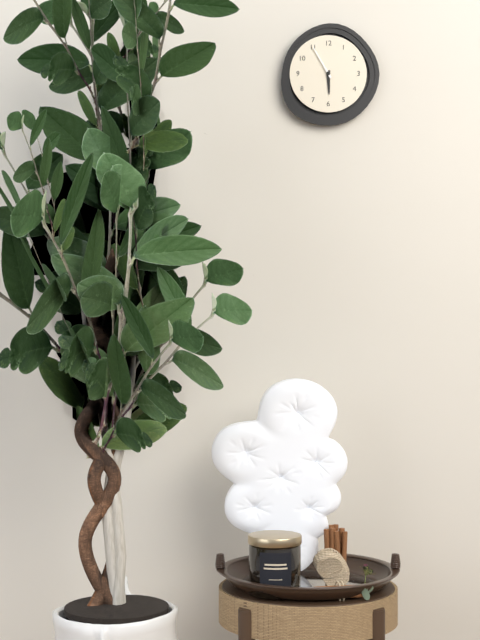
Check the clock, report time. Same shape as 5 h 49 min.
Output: 5 h 55 min
